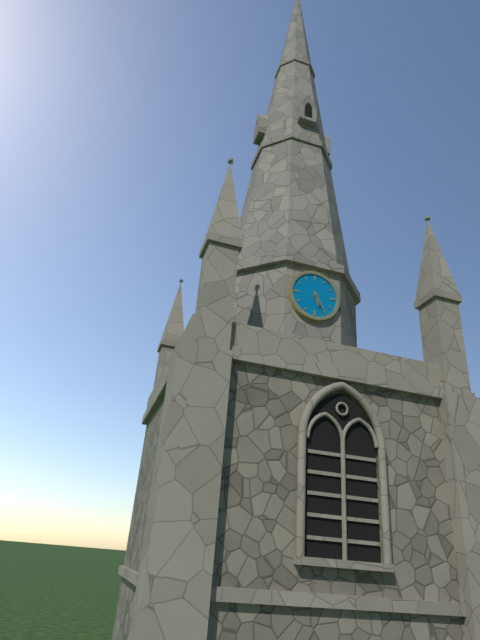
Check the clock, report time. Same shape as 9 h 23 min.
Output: 5 h 25 min
